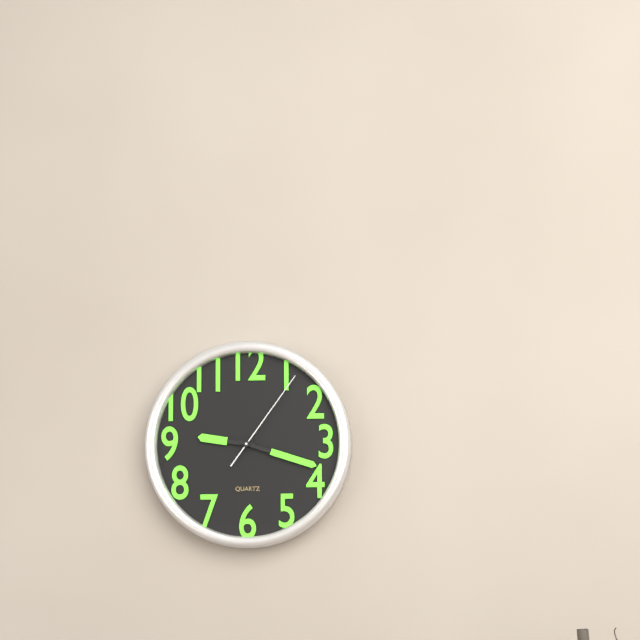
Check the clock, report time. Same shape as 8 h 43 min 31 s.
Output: 9 h 18 min 06 s
